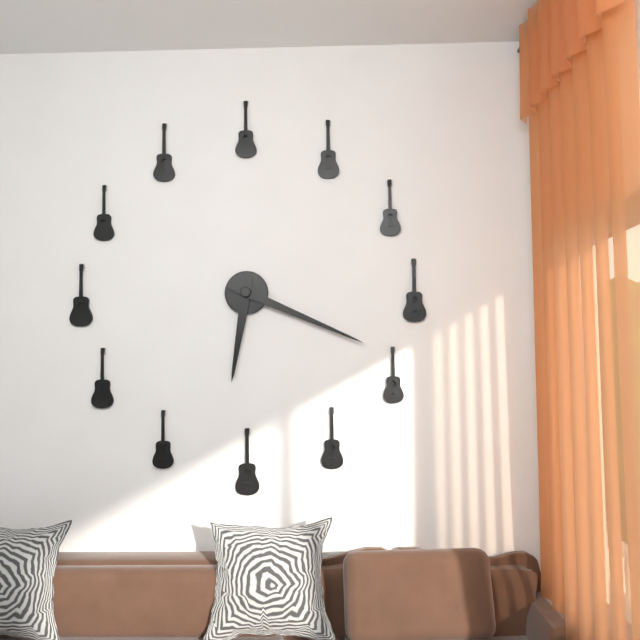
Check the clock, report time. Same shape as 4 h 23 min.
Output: 6 h 19 min
